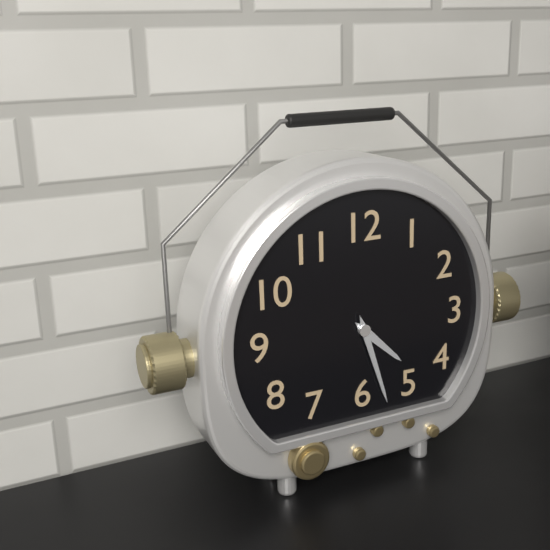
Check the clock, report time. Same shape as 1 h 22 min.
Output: 4 h 27 min
